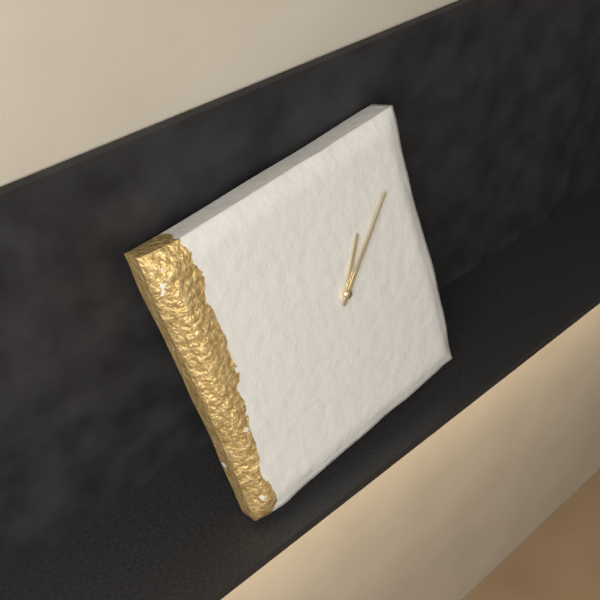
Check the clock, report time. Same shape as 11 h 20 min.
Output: 1 h 08 min
